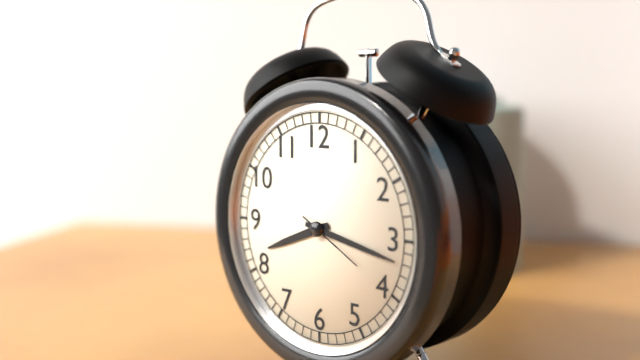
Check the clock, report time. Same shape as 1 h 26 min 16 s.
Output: 8 h 17 min 20 s
